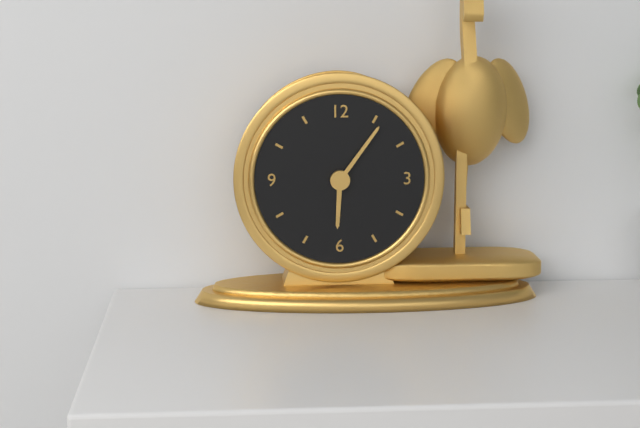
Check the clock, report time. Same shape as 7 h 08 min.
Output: 6 h 06 min
